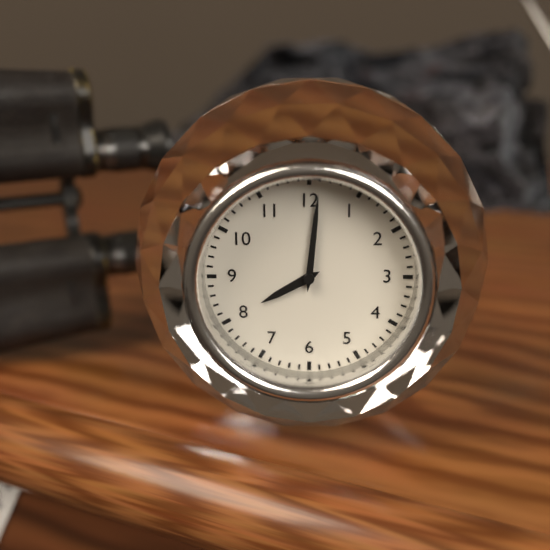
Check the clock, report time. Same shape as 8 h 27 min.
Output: 8 h 01 min
